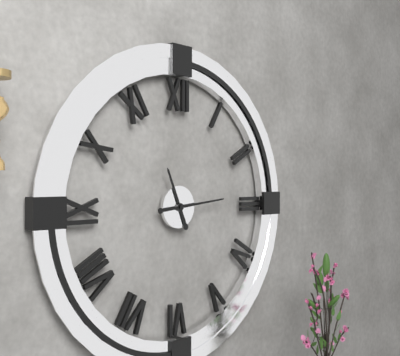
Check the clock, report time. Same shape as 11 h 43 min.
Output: 11 h 14 min
